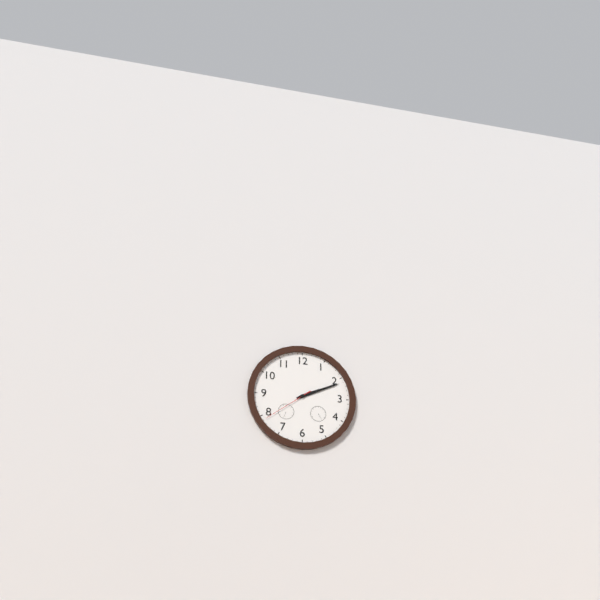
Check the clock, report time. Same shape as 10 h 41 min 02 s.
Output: 2 h 11 min 39 s
